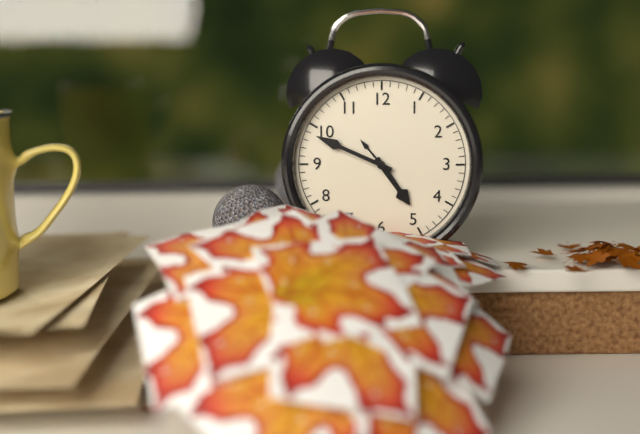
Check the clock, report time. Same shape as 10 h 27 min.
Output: 4 h 49 min
